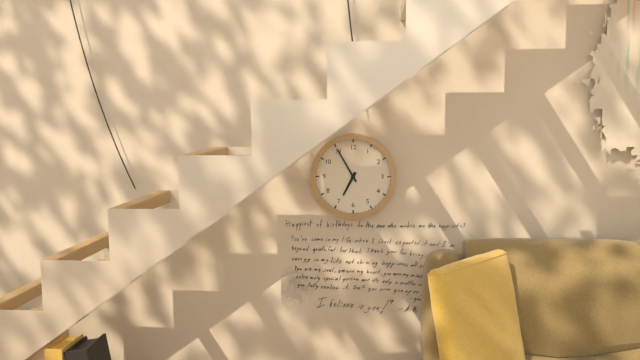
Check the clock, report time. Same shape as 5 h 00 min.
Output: 6 h 55 min
